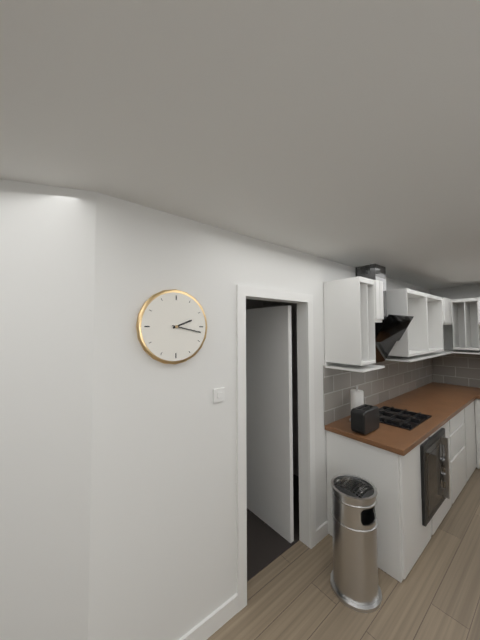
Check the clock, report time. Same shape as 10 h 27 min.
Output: 2 h 17 min
